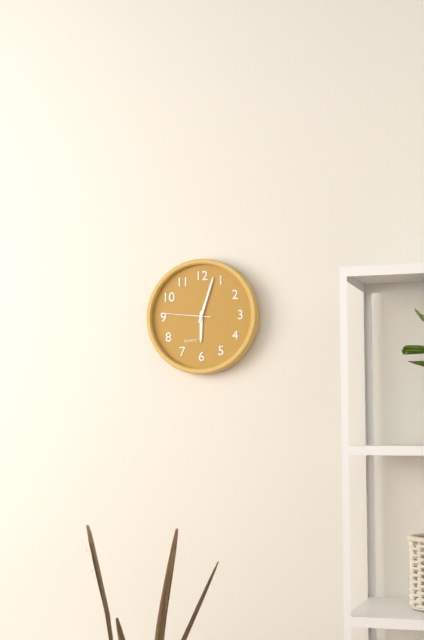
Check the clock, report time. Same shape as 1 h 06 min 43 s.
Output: 6 h 03 min 46 s
